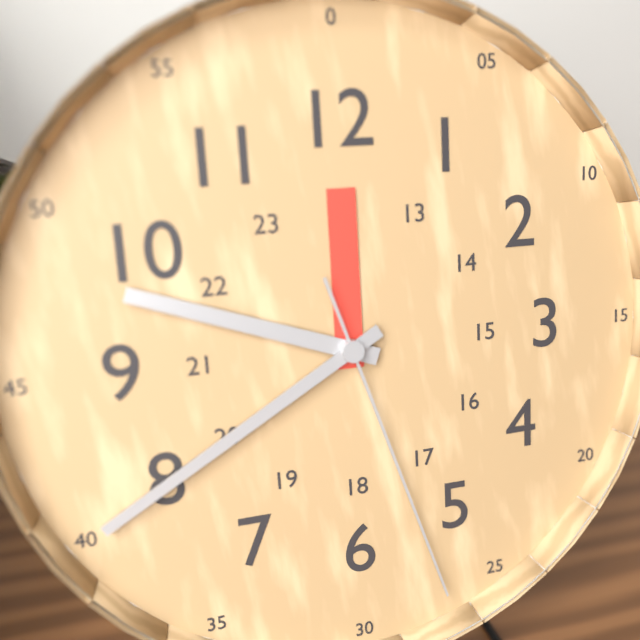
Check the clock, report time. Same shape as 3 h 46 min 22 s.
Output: 9 h 40 min 27 s
